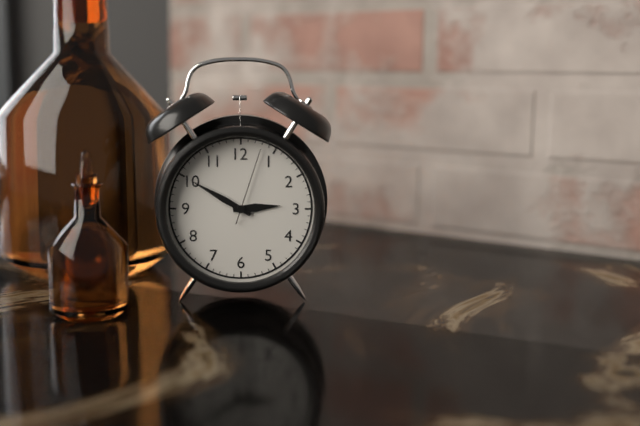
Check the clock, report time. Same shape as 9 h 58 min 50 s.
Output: 2 h 50 min 03 s
